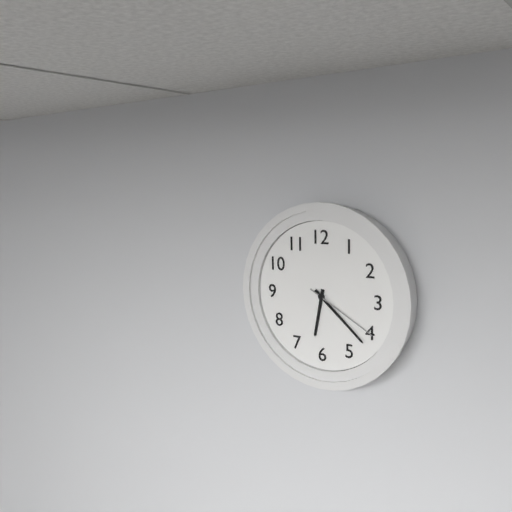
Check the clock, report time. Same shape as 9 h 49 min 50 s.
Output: 6 h 22 min 20 s
